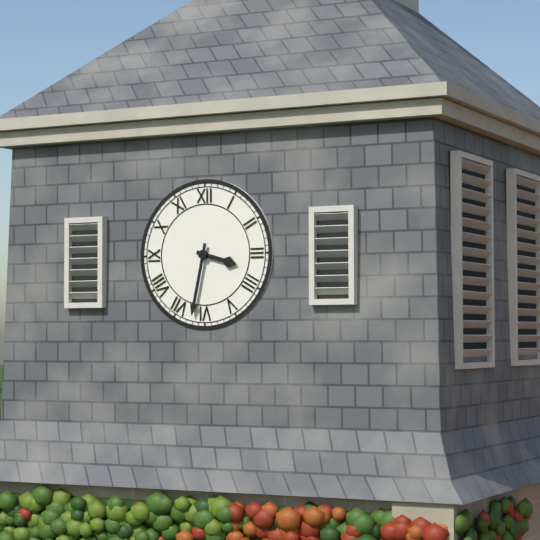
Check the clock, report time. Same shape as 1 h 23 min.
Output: 3 h 32 min
